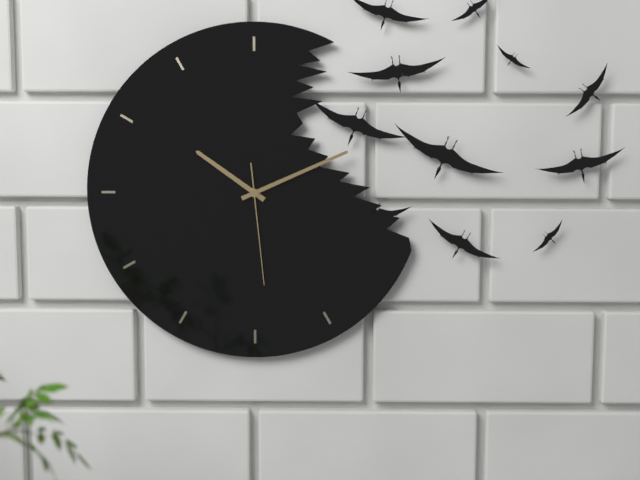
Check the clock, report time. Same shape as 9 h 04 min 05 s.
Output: 10 h 11 min 29 s
